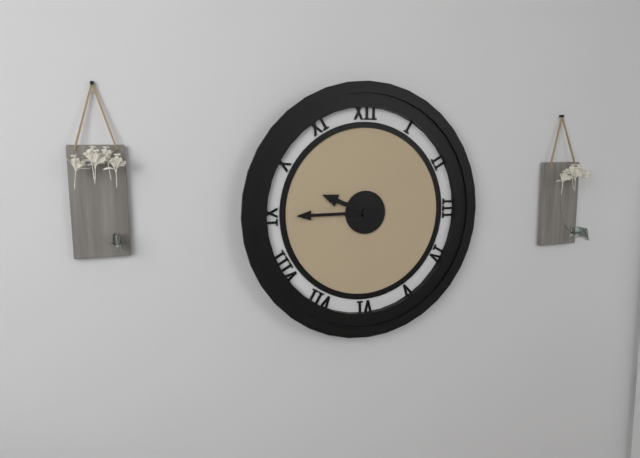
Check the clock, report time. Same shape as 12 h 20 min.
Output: 9 h 45 min
